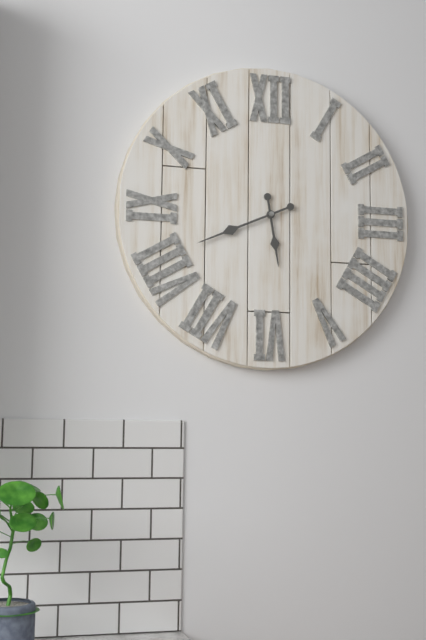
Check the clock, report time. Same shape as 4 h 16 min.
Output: 5 h 41 min
